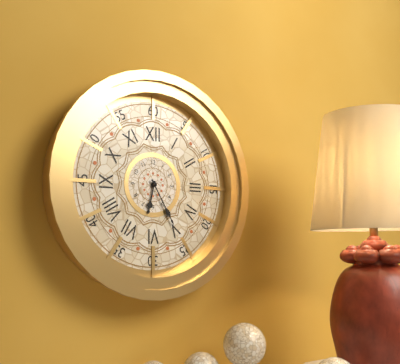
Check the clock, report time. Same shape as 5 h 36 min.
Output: 6 h 25 min
